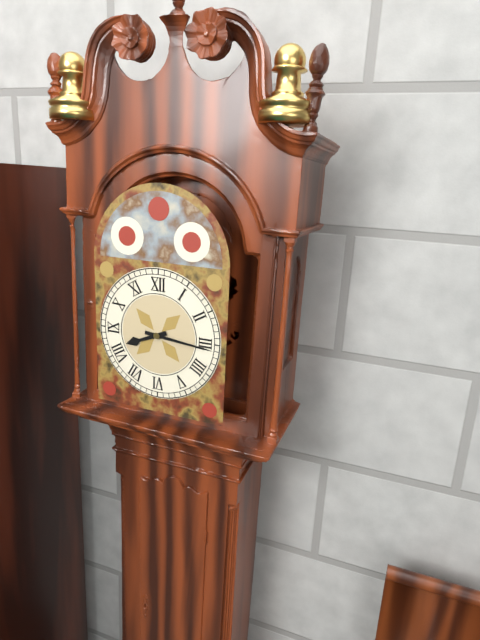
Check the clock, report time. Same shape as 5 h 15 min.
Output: 8 h 16 min
